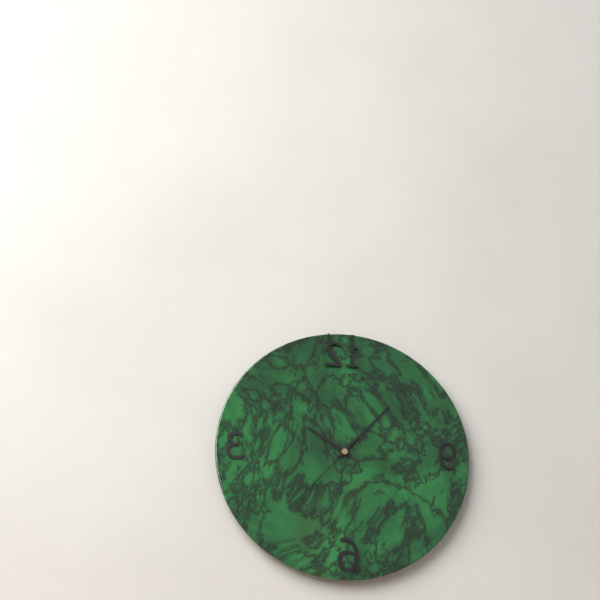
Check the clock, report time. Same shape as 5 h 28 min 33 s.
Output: 10 h 07 min 37 s
